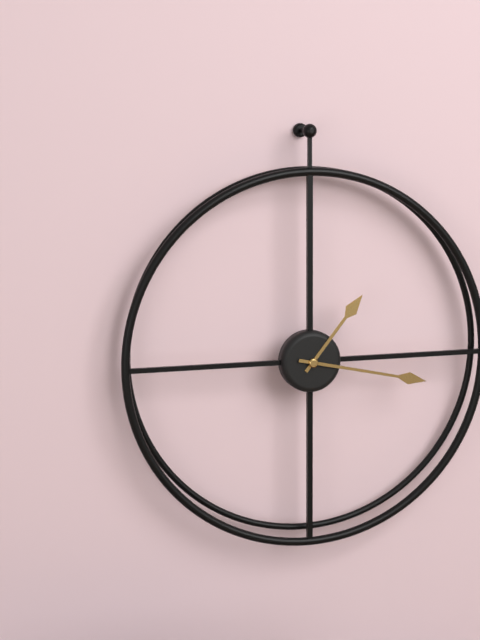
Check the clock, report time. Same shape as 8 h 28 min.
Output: 1 h 17 min
